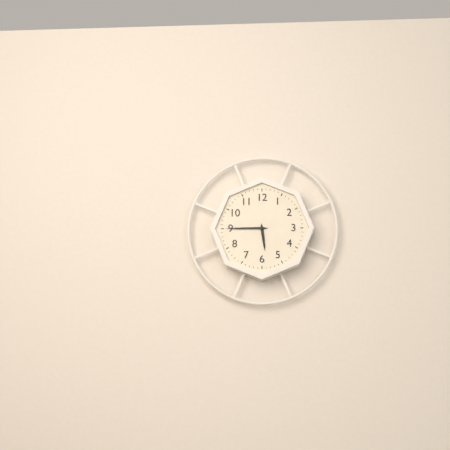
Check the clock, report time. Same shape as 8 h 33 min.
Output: 5 h 45 min
